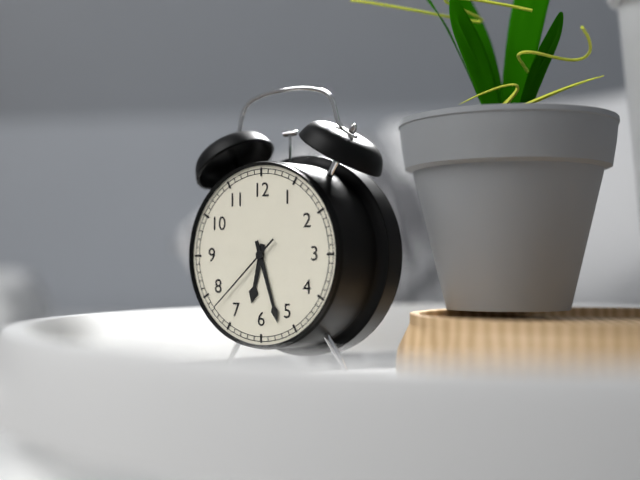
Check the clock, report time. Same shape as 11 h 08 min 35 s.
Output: 6 h 27 min 38 s
